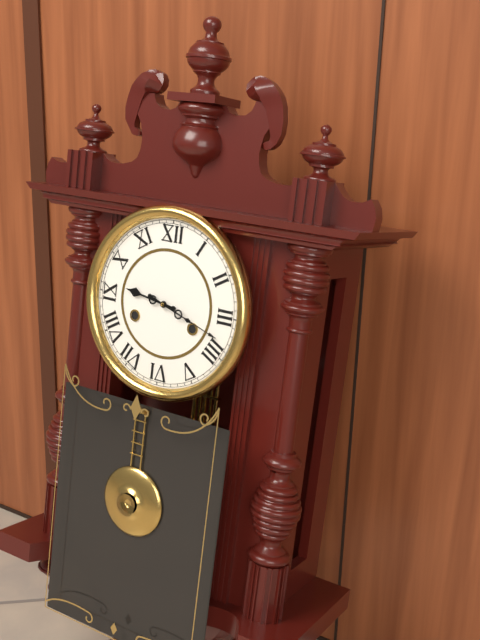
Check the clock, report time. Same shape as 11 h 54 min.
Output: 9 h 18 min
